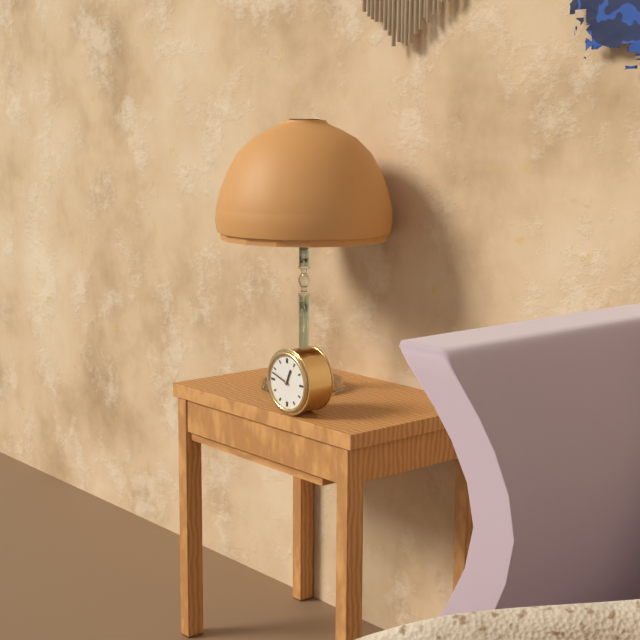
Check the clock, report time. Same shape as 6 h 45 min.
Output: 12 h 48 min
